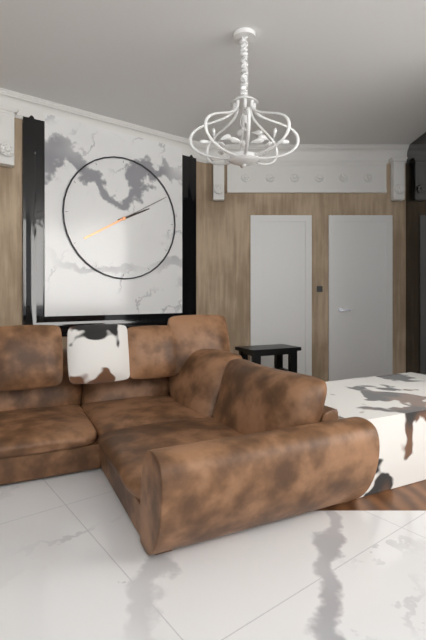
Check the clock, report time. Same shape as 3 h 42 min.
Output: 2 h 10 min
